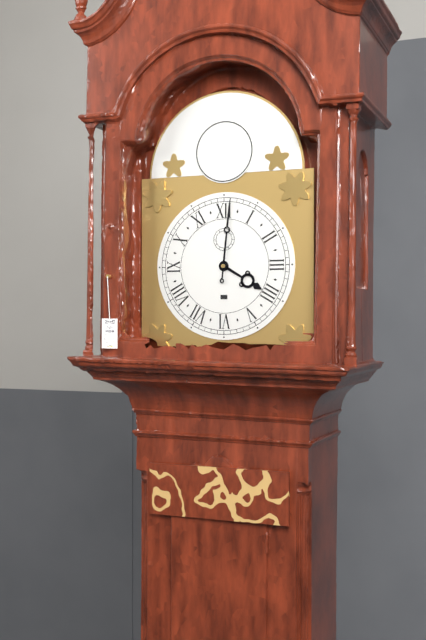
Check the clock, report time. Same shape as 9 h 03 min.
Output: 4 h 01 min
